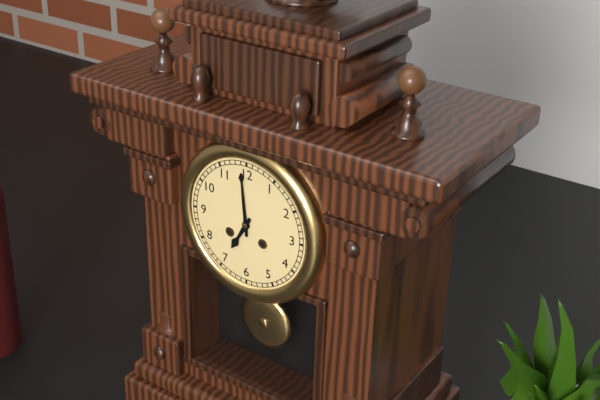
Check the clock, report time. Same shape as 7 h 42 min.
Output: 6 h 59 min
